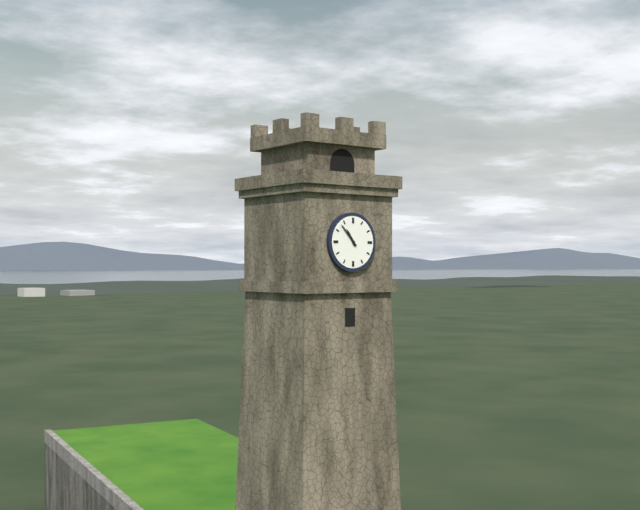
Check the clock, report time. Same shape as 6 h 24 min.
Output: 10 h 53 min
